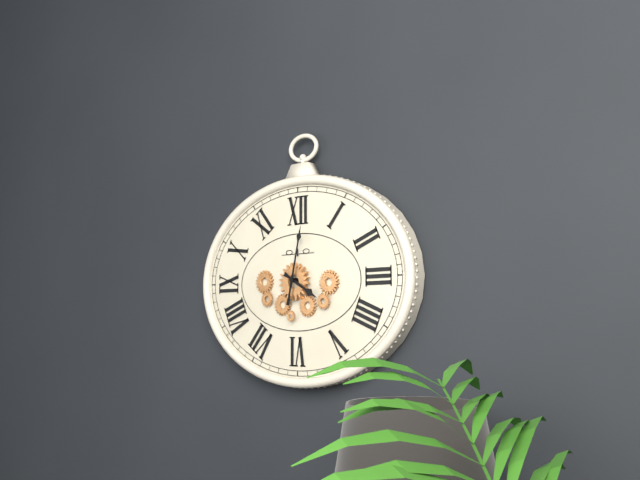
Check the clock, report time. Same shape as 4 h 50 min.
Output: 4 h 02 min
